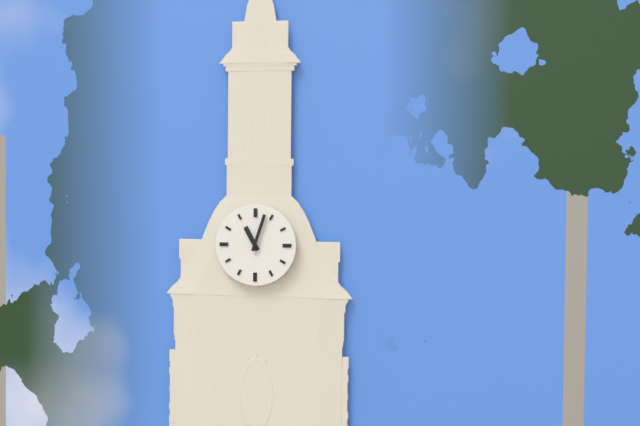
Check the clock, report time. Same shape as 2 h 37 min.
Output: 11 h 03 min
